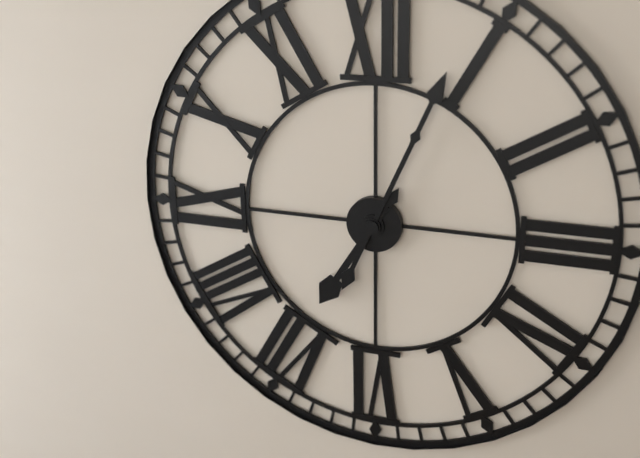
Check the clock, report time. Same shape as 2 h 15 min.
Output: 7 h 04 min
